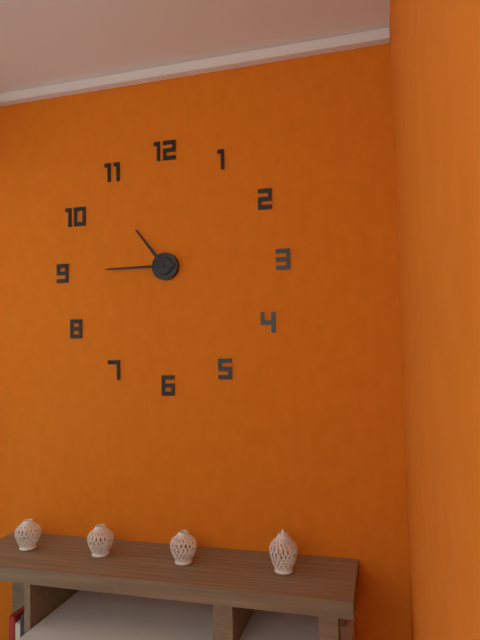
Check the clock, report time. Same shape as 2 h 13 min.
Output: 10 h 45 min
